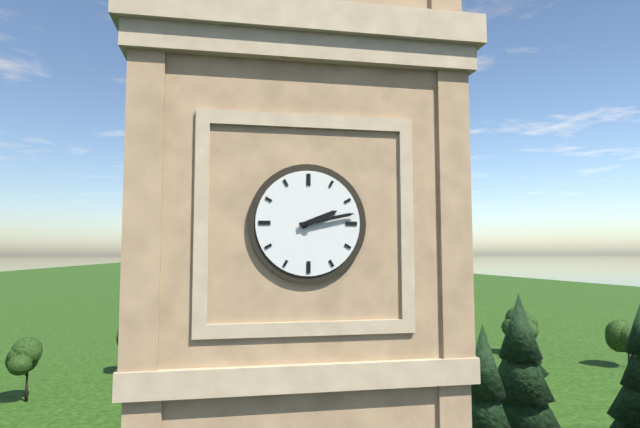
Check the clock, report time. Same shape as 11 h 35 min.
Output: 2 h 13 min
